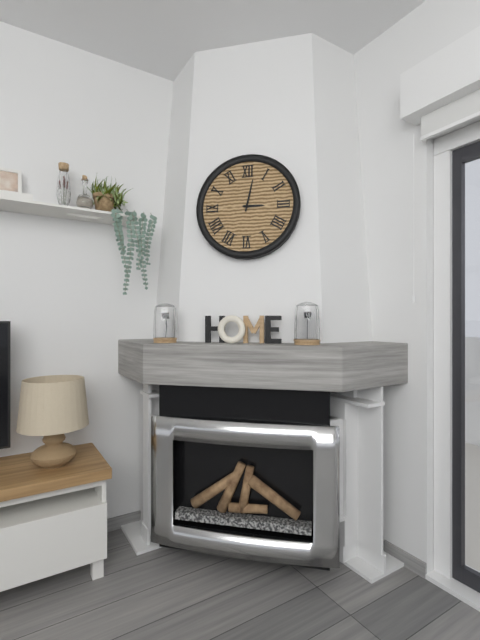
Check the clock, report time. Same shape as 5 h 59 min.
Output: 3 h 02 min
